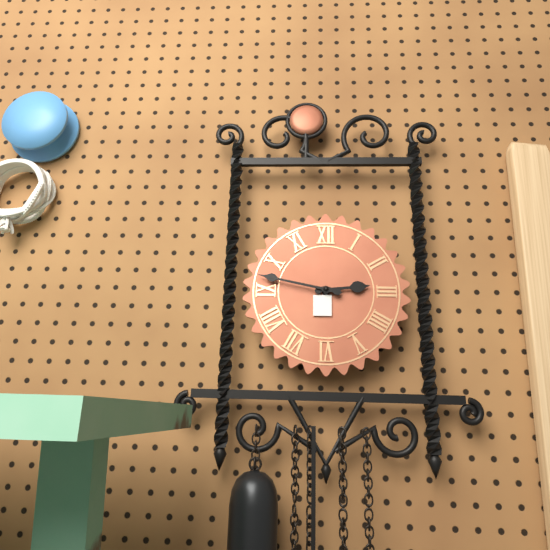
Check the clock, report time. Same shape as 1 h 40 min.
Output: 2 h 47 min
